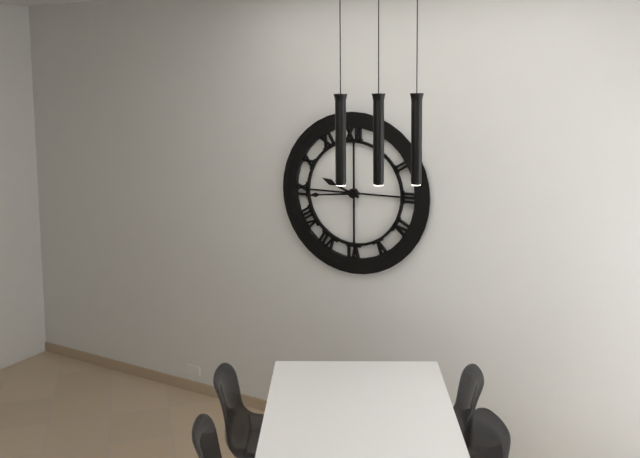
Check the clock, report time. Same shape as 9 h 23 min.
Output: 9 h 44 min
